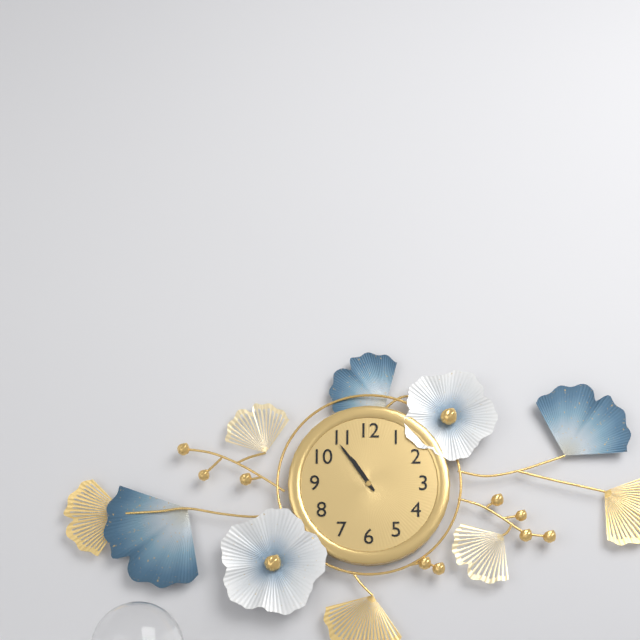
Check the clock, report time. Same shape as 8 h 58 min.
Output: 10 h 54 min
